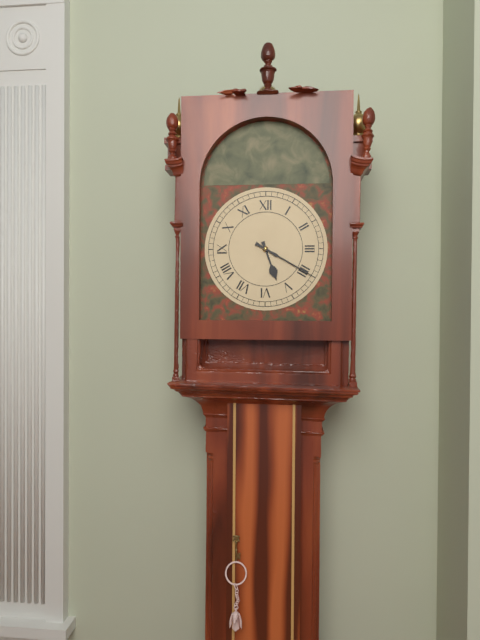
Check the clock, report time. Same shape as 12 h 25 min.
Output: 5 h 20 min
